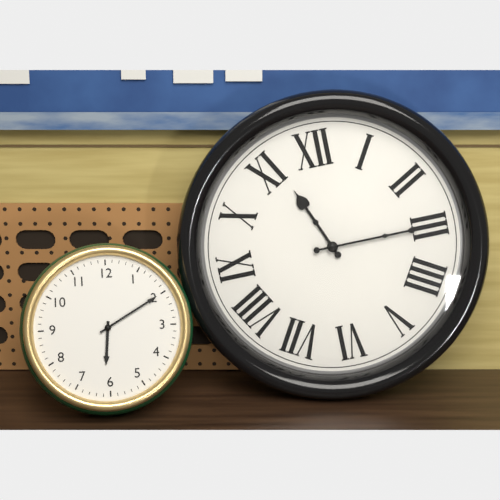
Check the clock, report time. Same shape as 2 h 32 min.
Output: 11 h 15 min
